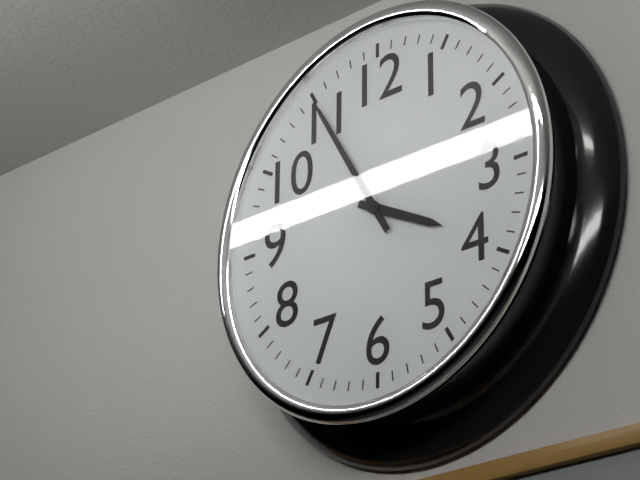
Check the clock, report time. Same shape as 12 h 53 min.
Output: 3 h 55 min
